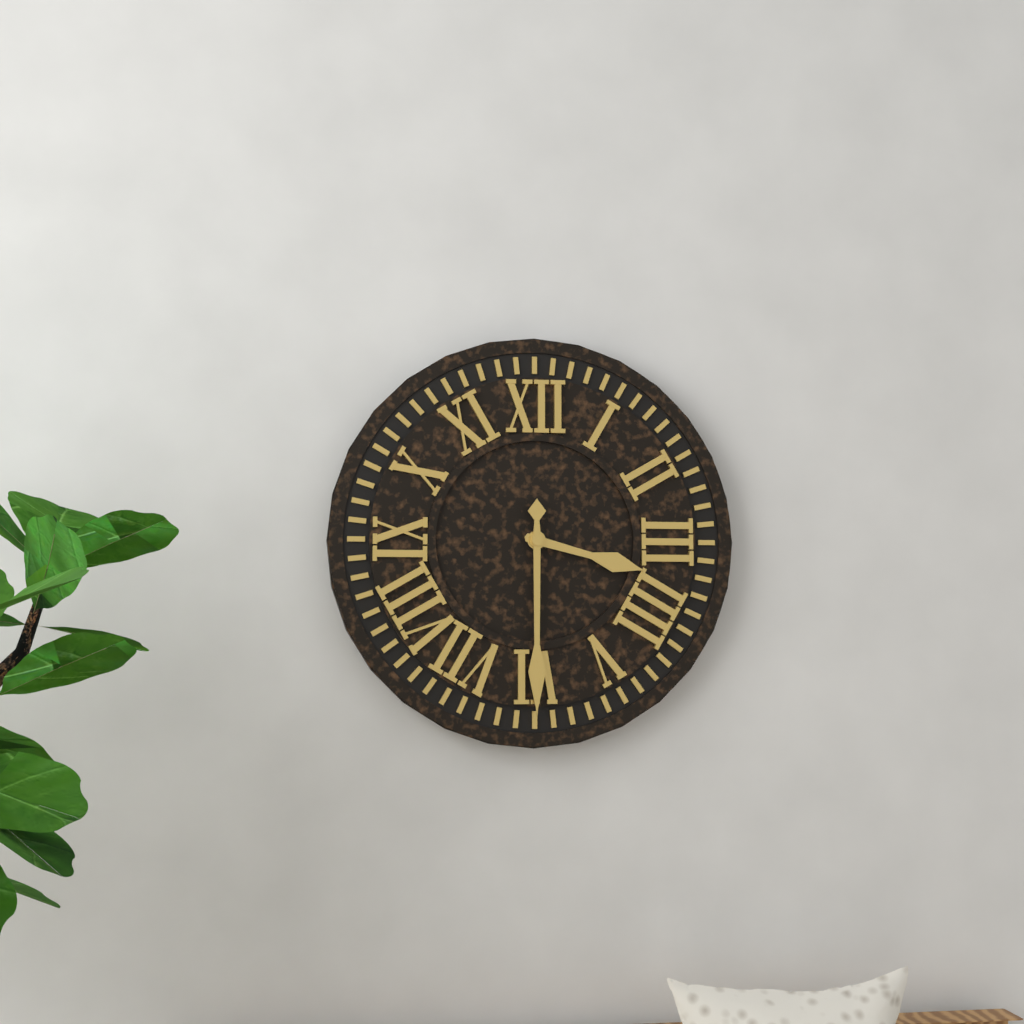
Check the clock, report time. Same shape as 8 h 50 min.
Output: 3 h 30 min
